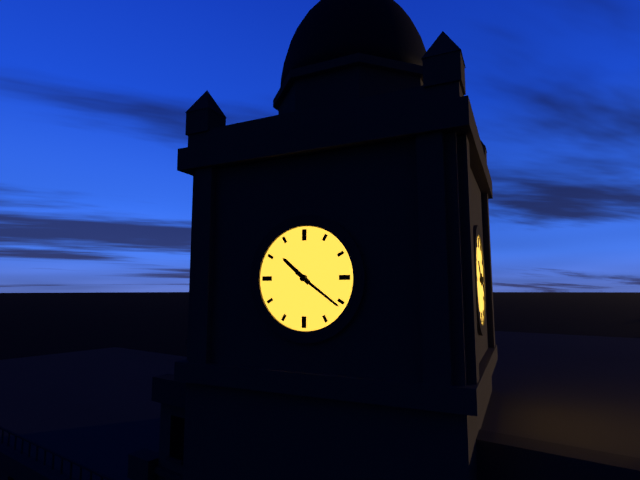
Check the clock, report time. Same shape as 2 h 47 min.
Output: 10 h 21 min
